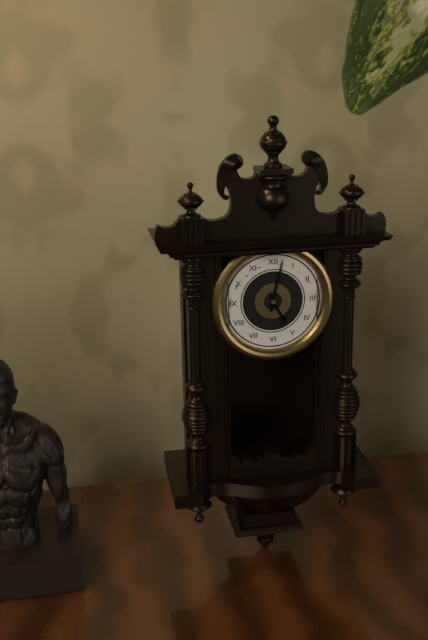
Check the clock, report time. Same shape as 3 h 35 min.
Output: 5 h 02 min
